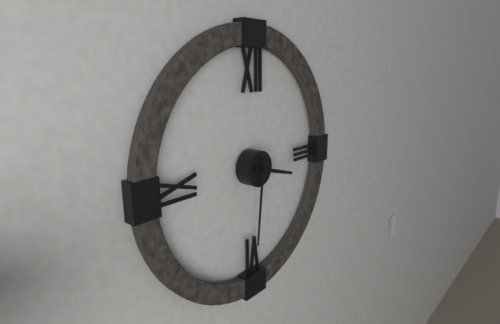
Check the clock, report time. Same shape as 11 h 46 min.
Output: 3 h 31 min
